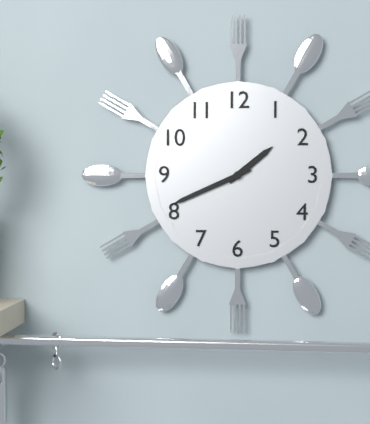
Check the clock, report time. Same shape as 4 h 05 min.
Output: 1 h 41 min
